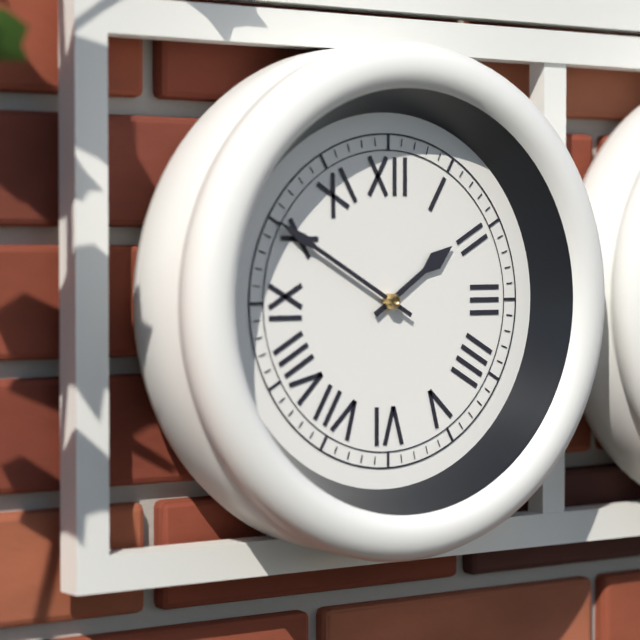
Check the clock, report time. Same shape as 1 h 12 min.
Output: 1 h 50 min
